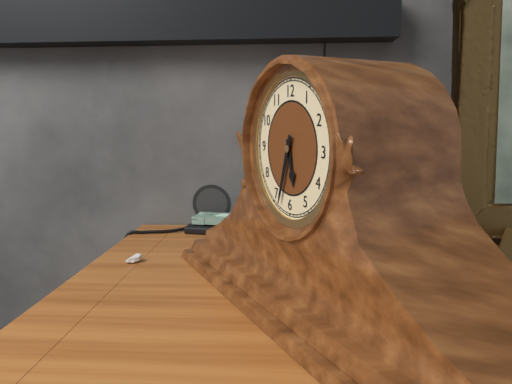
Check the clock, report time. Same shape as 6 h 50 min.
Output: 5 h 33 min
